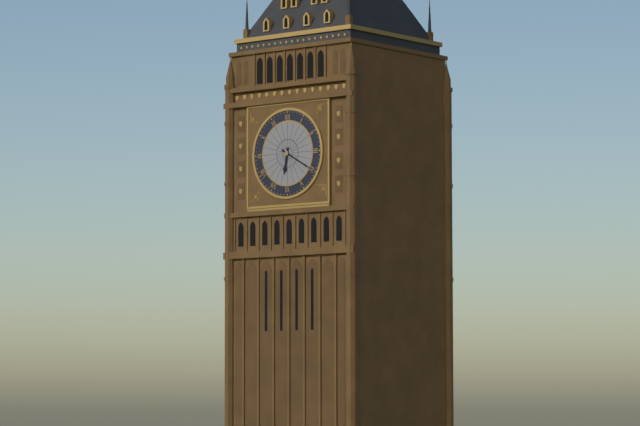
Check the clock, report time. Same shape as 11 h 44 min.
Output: 6 h 20 min
